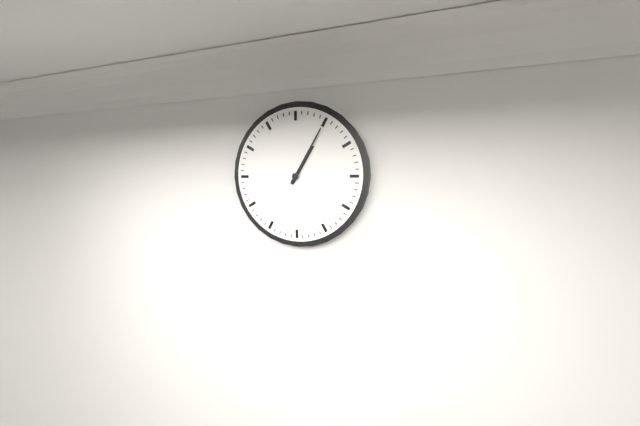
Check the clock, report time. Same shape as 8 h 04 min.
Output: 1 h 05 min
